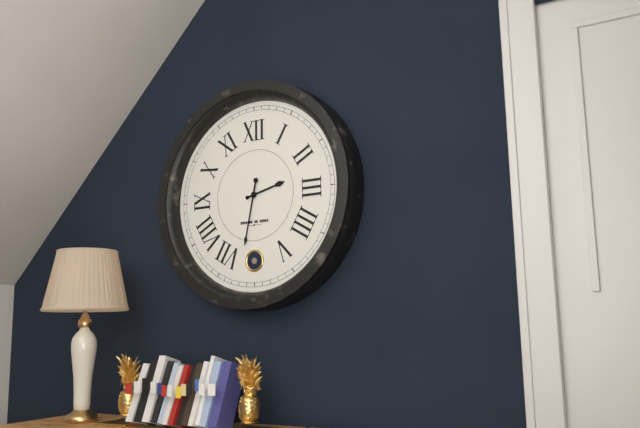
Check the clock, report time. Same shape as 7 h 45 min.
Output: 2 h 32 min
